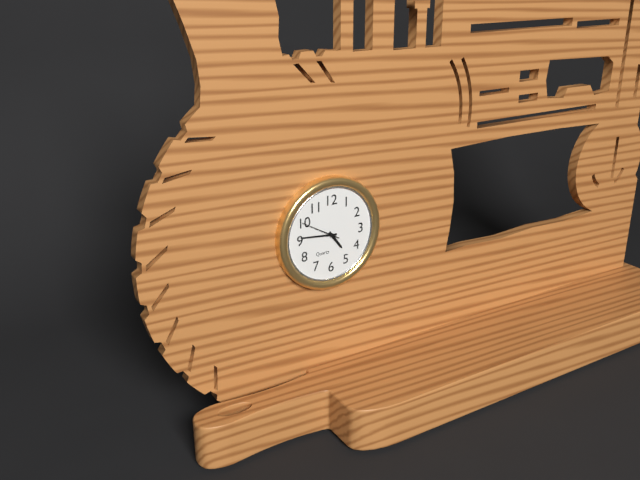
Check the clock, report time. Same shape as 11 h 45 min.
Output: 4 h 46 min
